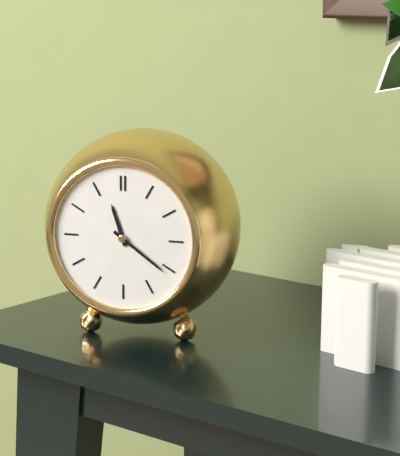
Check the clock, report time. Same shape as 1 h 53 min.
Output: 11 h 21 min
